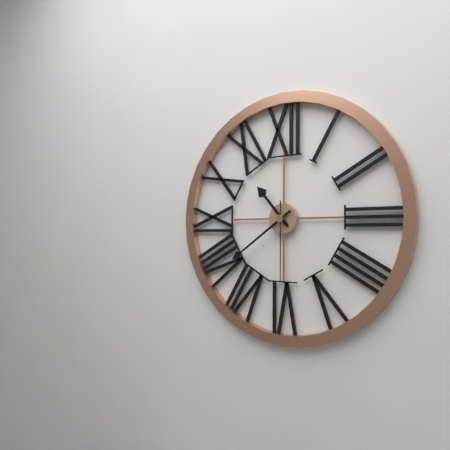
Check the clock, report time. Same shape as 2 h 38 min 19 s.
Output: 10 h 39 min 30 s
